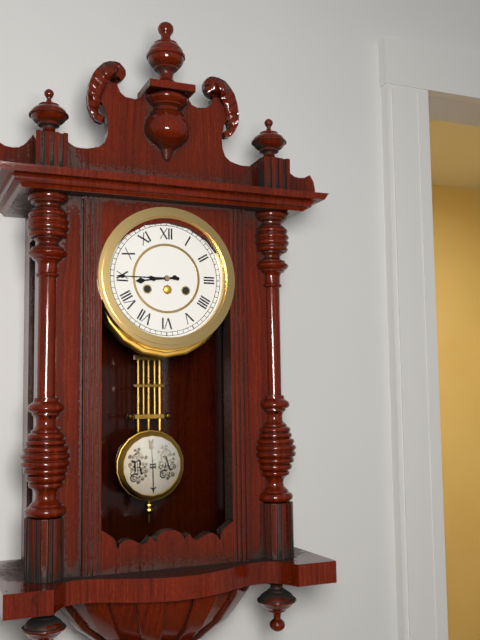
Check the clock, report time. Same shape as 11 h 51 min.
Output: 8 h 45 min
